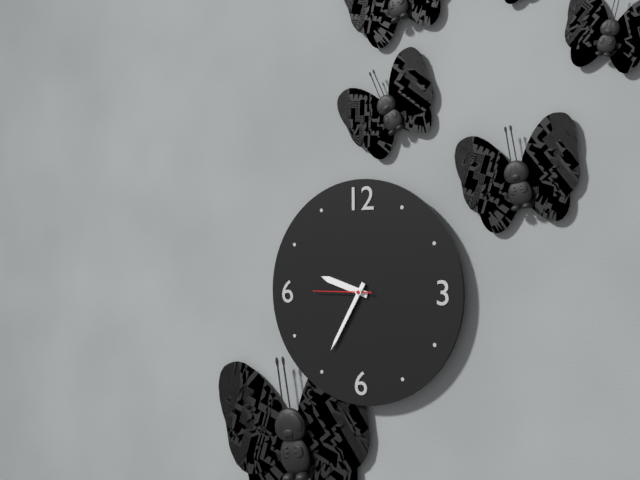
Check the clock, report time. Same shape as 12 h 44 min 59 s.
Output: 9 h 35 min 45 s
